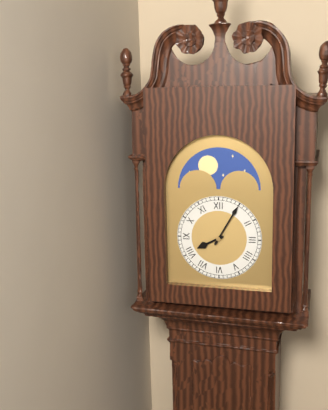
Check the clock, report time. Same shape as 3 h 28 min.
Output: 8 h 05 min
